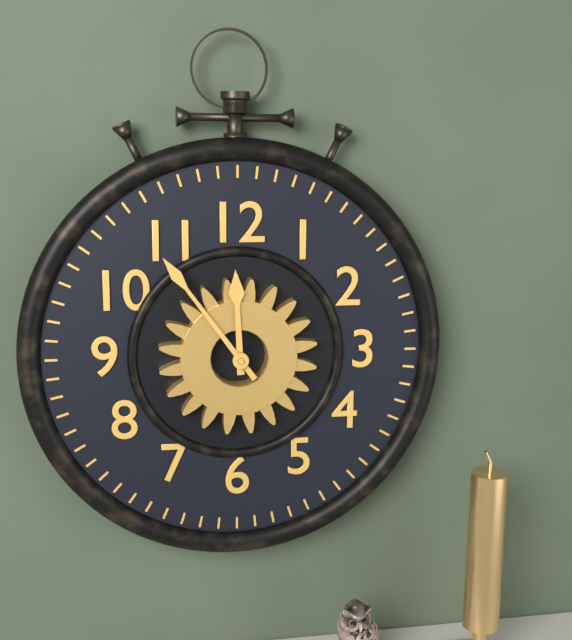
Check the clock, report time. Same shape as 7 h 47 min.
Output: 11 h 54 min
